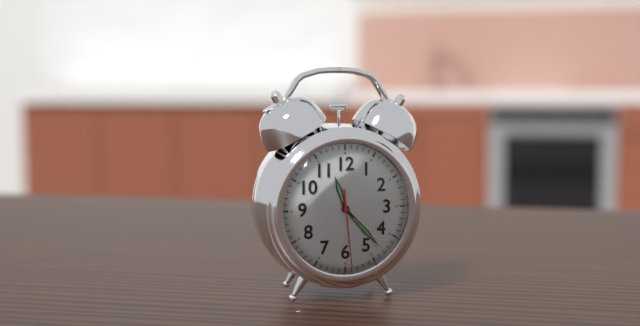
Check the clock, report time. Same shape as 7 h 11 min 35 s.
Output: 11 h 23 min 29 s
